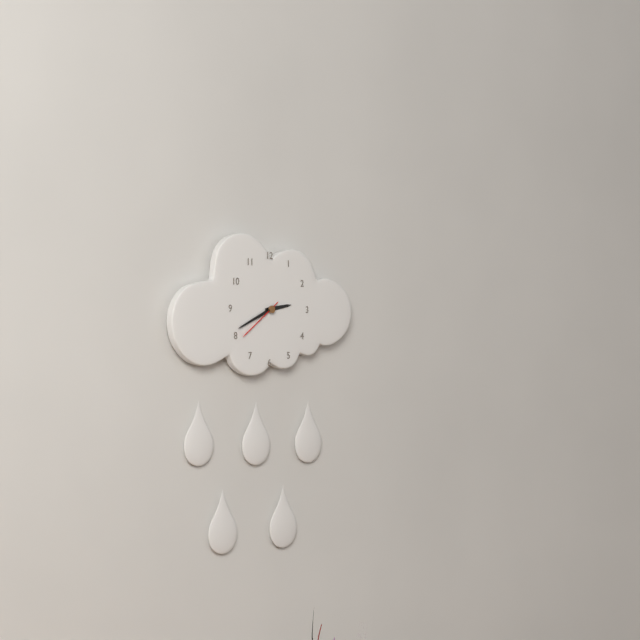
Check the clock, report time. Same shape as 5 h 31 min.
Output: 2 h 41 min
